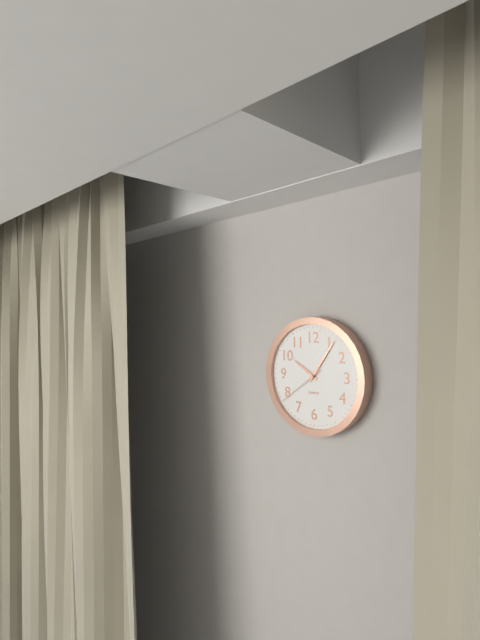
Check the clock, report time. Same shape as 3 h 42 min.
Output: 10 h 06 min
